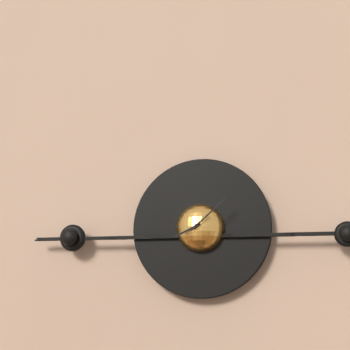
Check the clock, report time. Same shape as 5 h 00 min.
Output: 8 h 08 min
